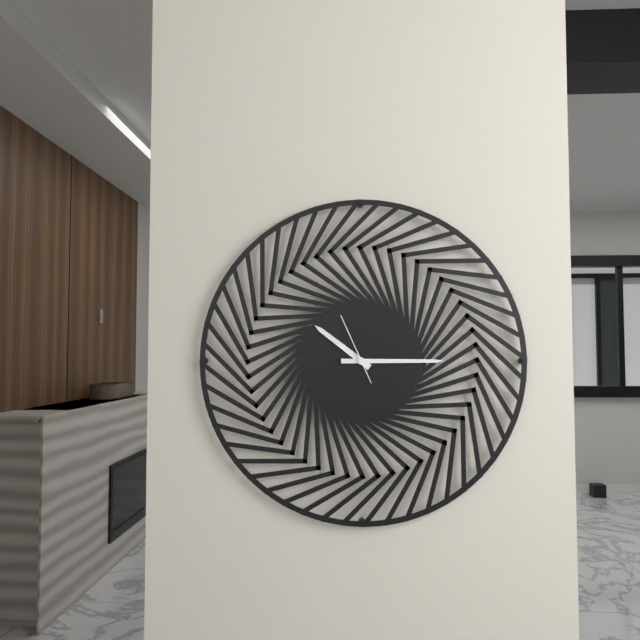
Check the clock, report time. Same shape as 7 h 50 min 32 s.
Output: 10 h 15 min 56 s
